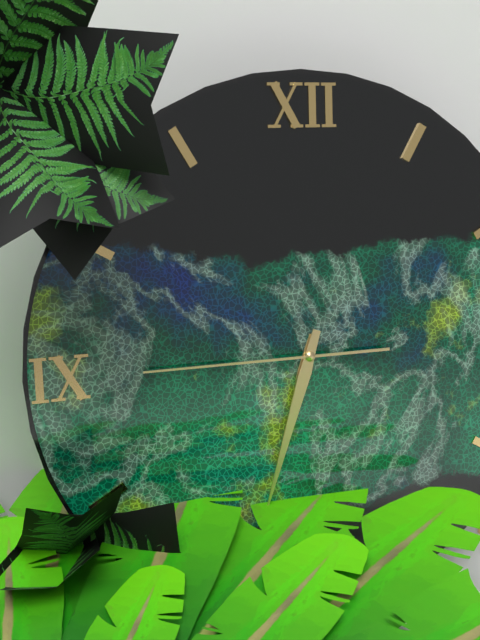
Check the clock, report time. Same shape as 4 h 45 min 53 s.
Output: 6 h 33 min 45 s
